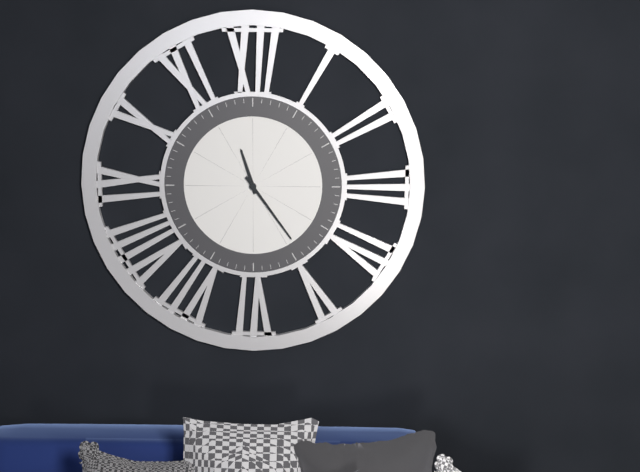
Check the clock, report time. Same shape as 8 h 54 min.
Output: 11 h 24 min
